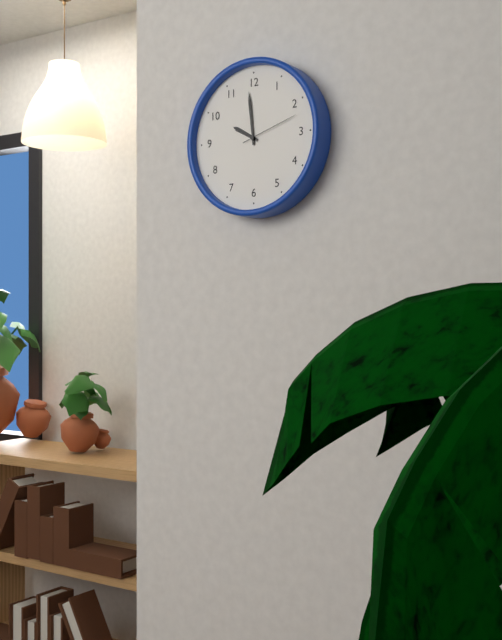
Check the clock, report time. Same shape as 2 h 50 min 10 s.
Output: 9 h 59 min 12 s
